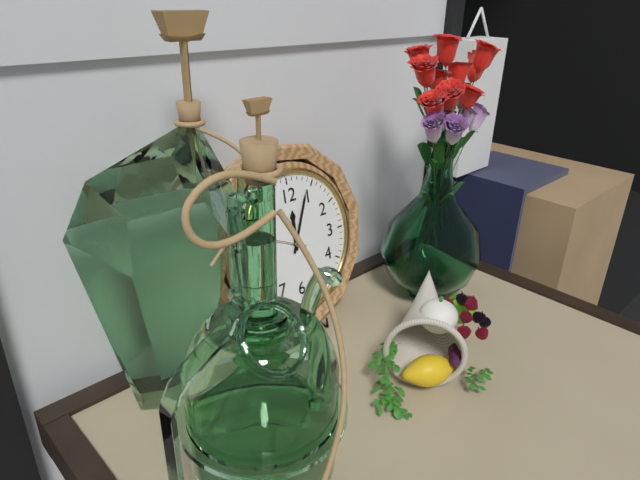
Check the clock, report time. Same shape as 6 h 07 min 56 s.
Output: 12 h 04 min 49 s
